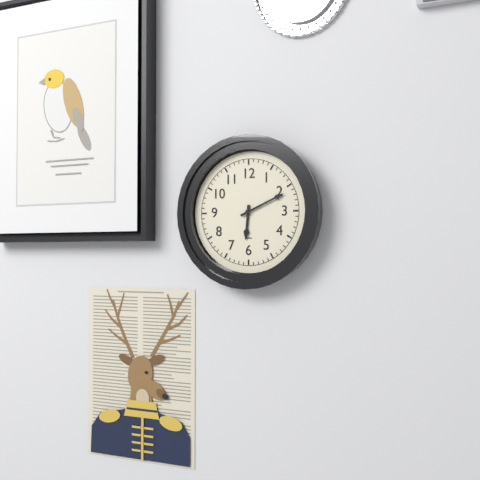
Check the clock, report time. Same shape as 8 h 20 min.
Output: 6 h 11 min
